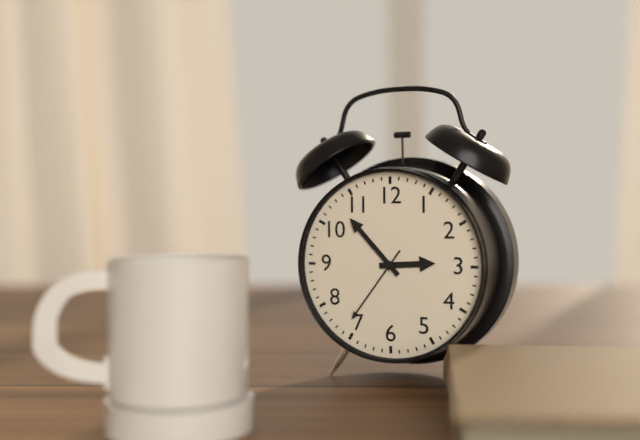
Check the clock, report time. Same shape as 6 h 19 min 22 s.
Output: 2 h 53 min 36 s
